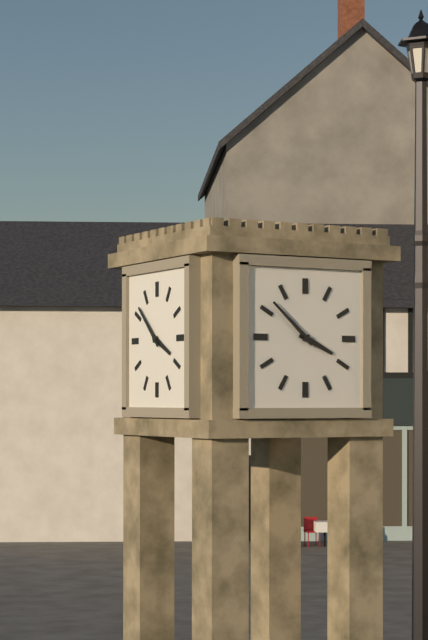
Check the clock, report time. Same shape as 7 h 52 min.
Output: 3 h 52 min
